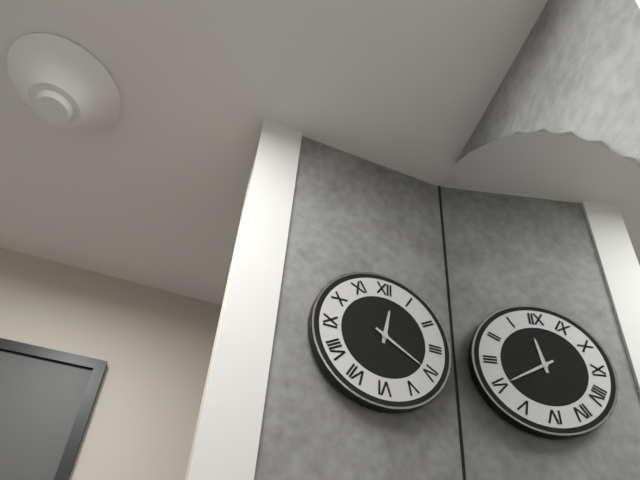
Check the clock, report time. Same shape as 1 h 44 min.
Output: 12 h 20 min
